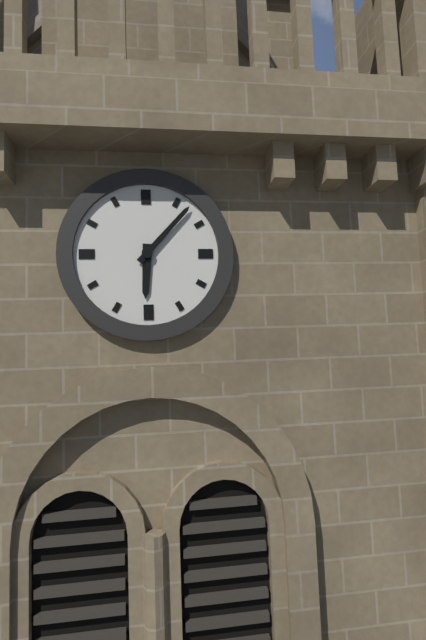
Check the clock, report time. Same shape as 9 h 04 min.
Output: 6 h 07 min
